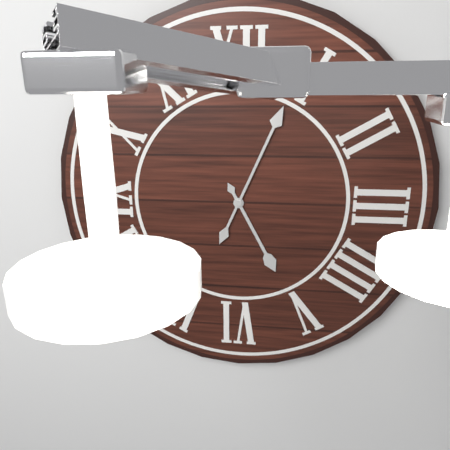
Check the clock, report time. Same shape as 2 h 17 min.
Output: 5 h 04 min
